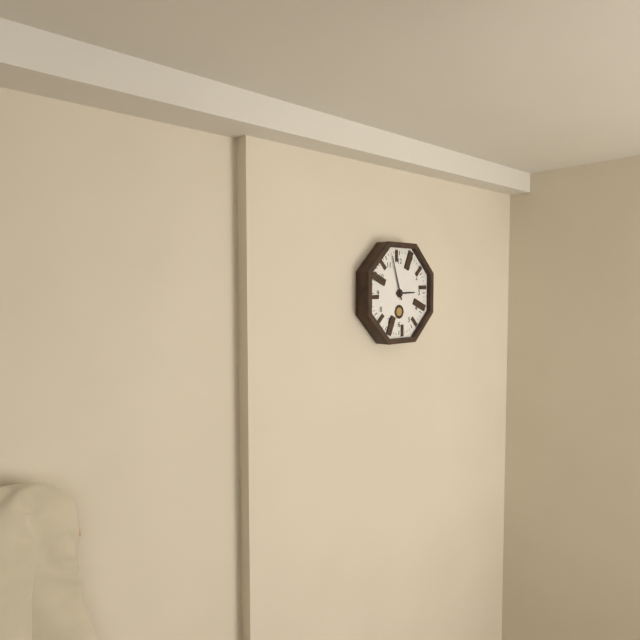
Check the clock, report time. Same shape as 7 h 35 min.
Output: 2 h 57 min
